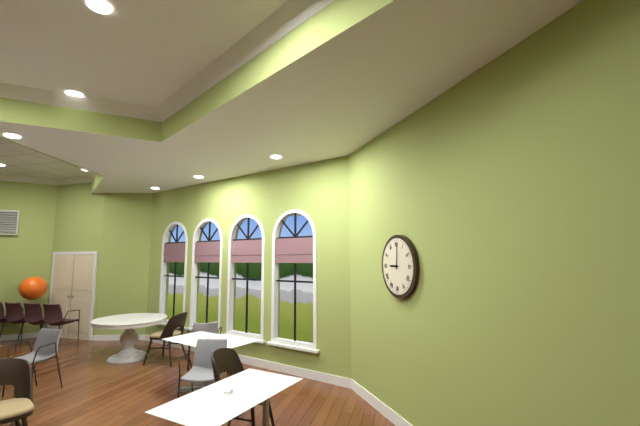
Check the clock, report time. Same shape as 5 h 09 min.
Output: 9 h 01 min
